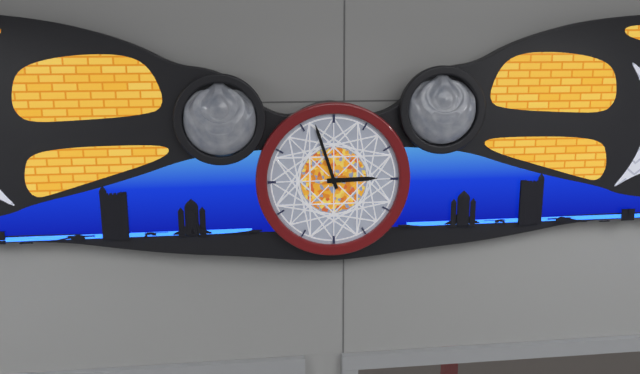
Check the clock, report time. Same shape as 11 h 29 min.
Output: 2 h 57 min
